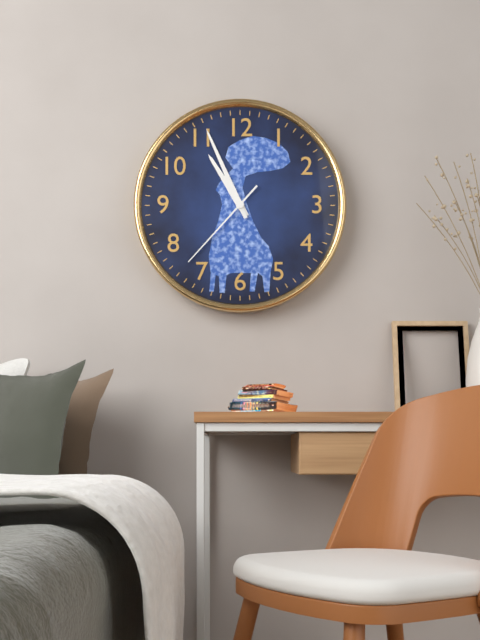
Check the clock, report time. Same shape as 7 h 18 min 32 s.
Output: 10 h 56 min 37 s
